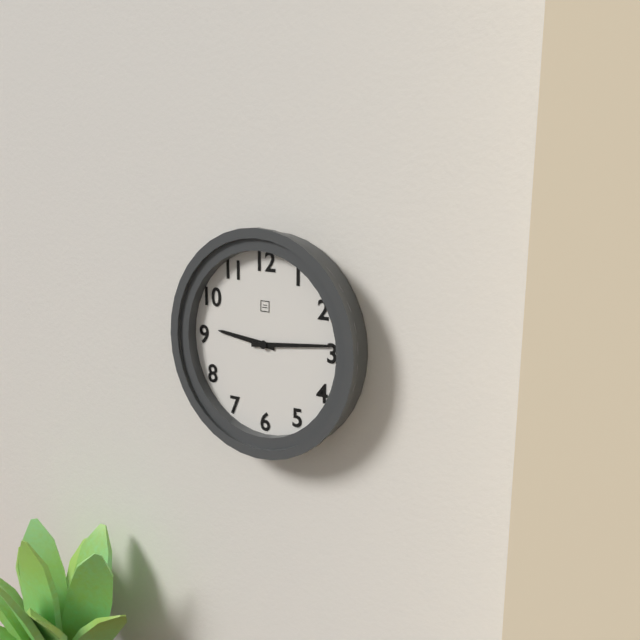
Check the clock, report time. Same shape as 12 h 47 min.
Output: 9 h 14 min
